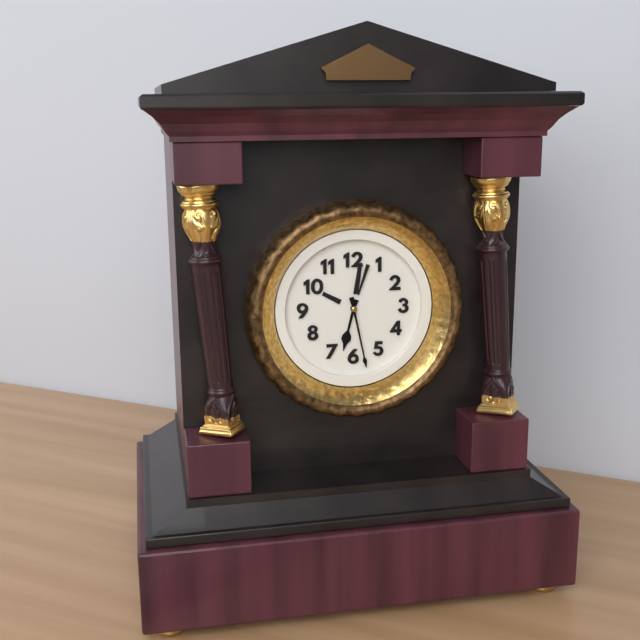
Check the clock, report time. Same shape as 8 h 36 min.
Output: 6 h 28 min
